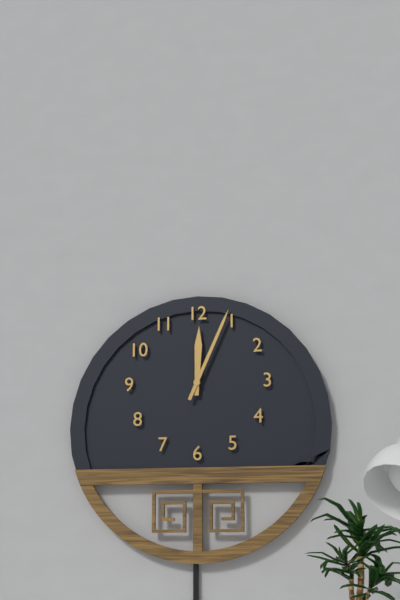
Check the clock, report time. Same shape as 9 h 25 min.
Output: 12 h 04 min
